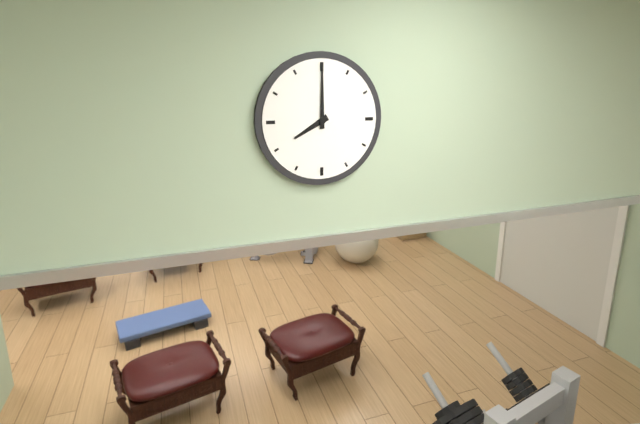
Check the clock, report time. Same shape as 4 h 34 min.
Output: 8 h 00 min
